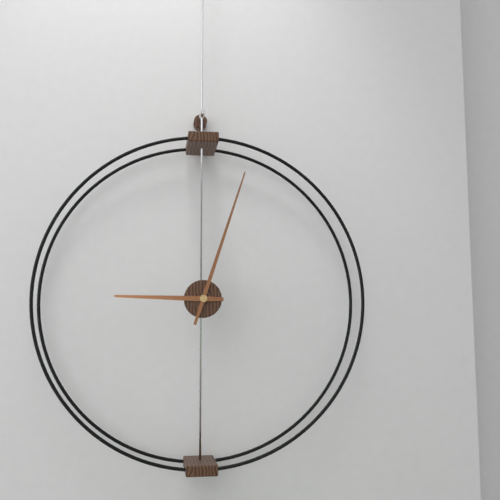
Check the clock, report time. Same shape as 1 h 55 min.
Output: 9 h 03 min
